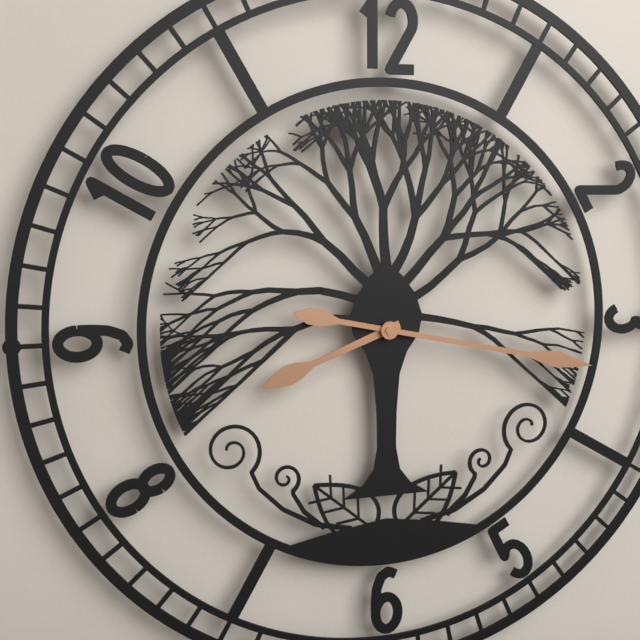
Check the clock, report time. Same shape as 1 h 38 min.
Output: 8 h 17 min
